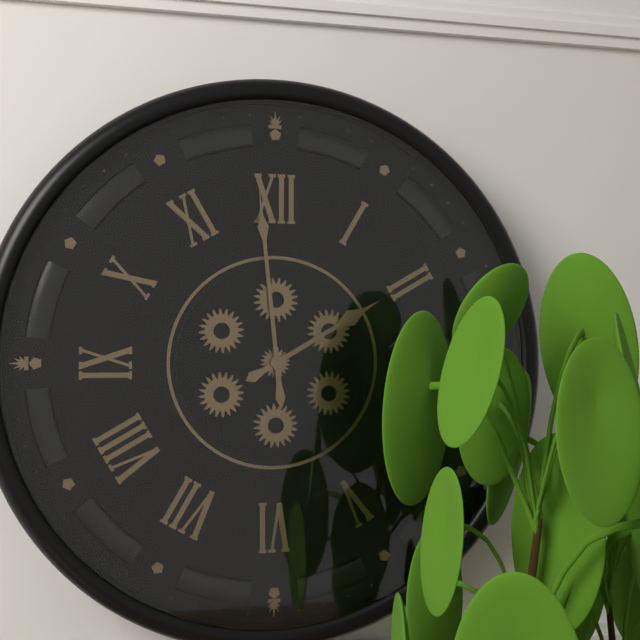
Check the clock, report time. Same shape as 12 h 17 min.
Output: 1 h 59 min
